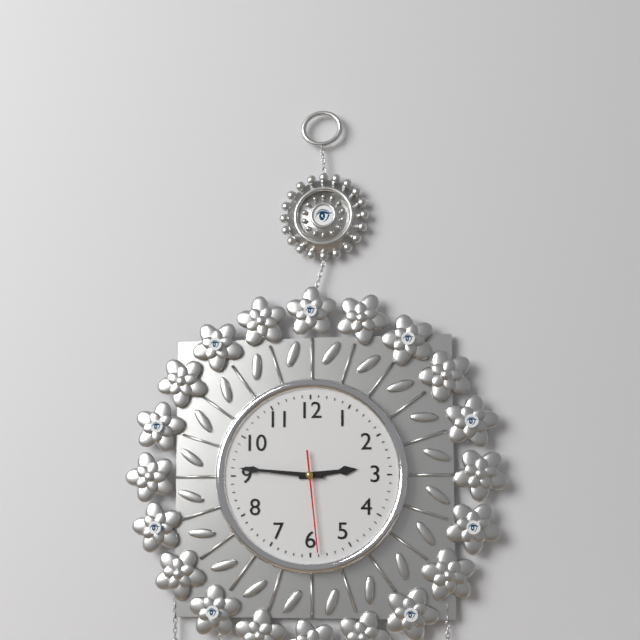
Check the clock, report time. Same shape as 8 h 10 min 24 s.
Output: 2 h 46 min 29 s
